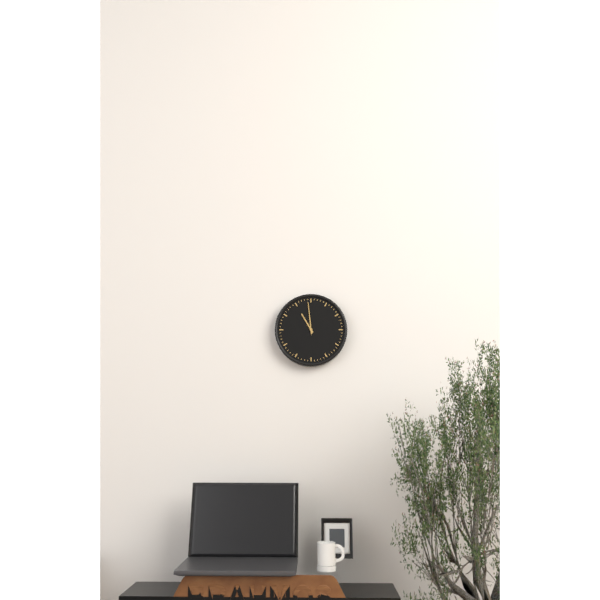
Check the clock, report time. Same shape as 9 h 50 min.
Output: 10 h 59 min
